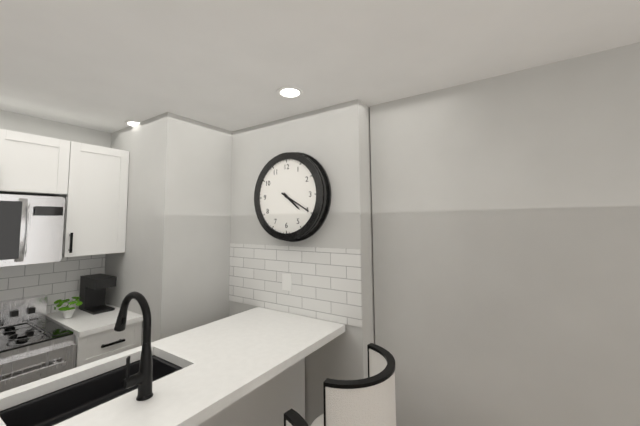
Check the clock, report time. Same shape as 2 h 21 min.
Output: 4 h 20 min
